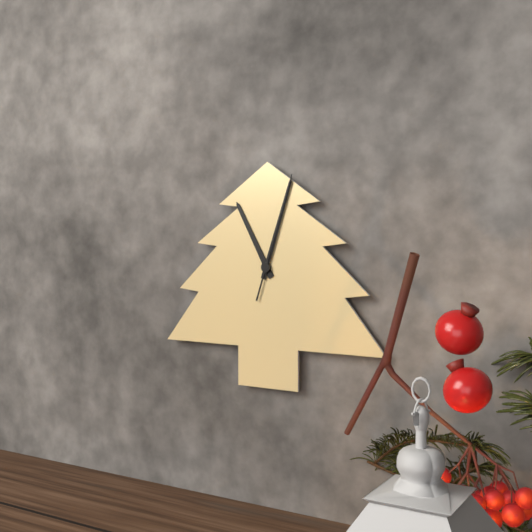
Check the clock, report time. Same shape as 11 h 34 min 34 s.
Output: 11 h 03 min 03 s
